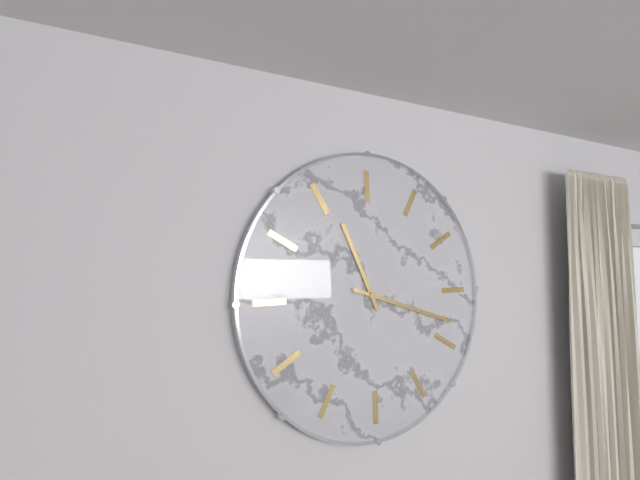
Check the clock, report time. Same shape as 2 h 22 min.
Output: 10 h 13 min
